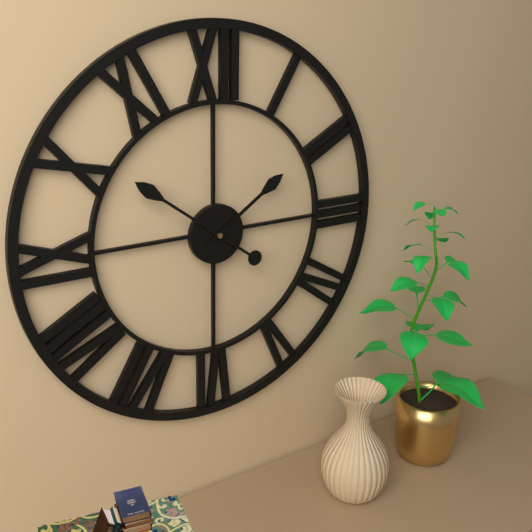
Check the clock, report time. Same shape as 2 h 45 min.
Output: 1 h 51 min
